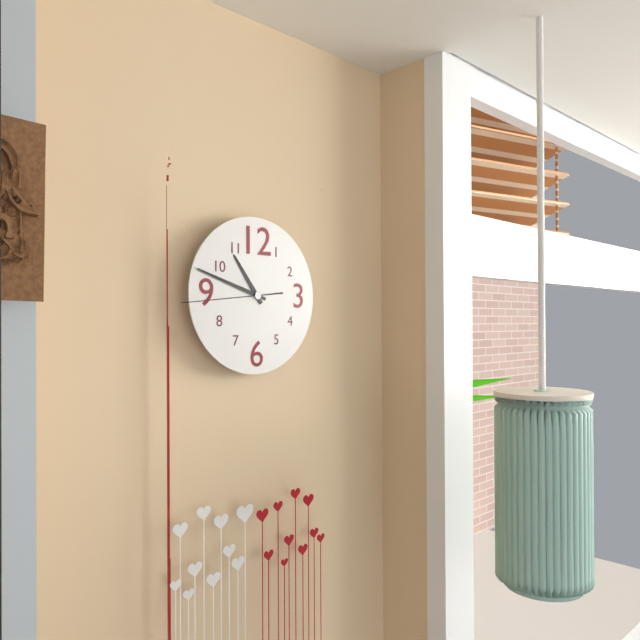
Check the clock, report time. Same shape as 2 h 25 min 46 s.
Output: 10 h 48 min 44 s
